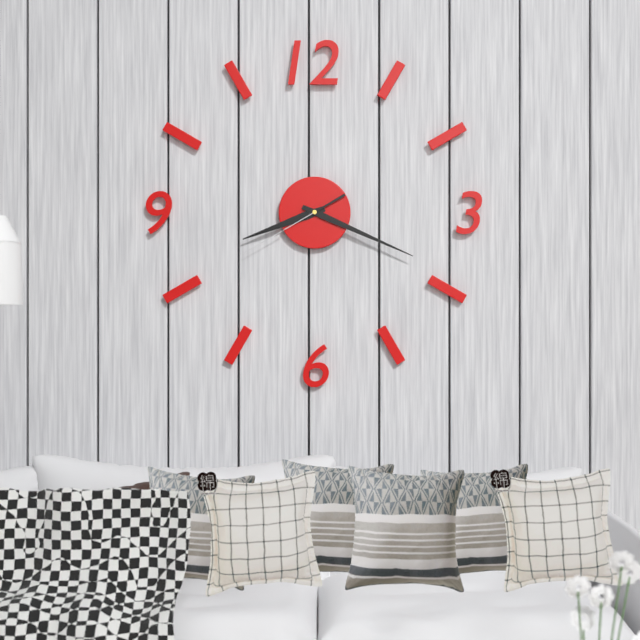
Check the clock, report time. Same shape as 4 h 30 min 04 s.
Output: 8 h 19 min 40 s
